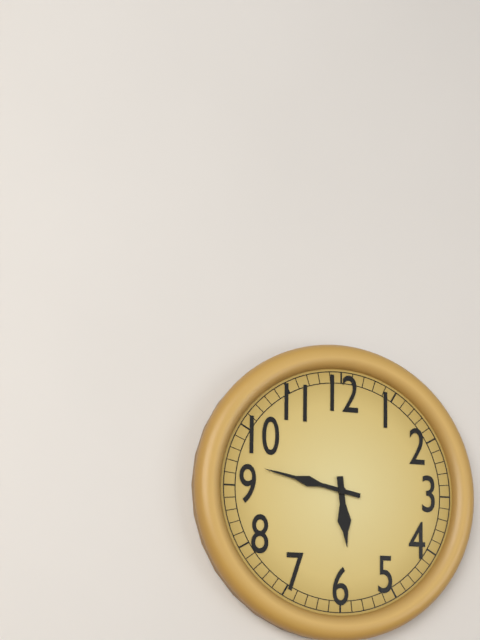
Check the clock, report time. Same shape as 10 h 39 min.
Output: 5 h 47 min
